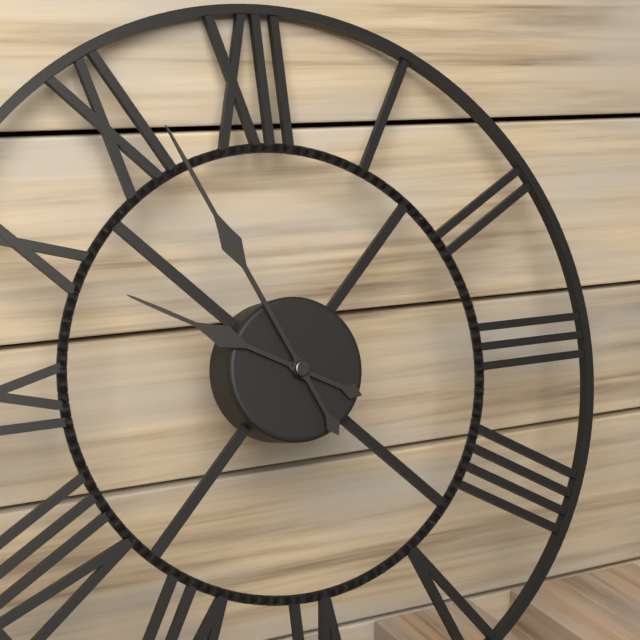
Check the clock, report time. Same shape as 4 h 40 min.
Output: 9 h 56 min
